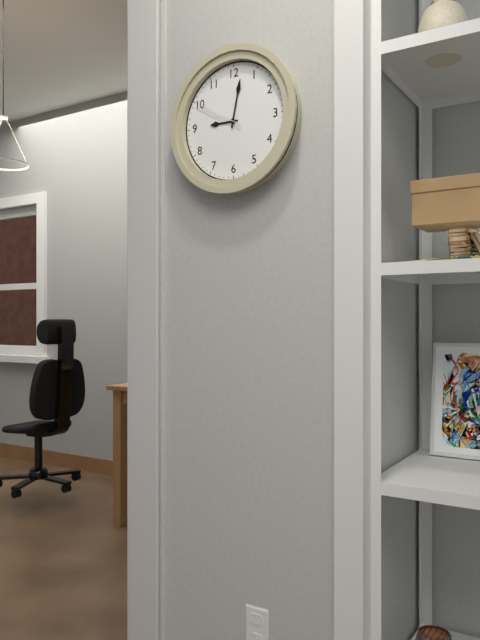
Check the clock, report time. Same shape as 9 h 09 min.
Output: 9 h 02 min
